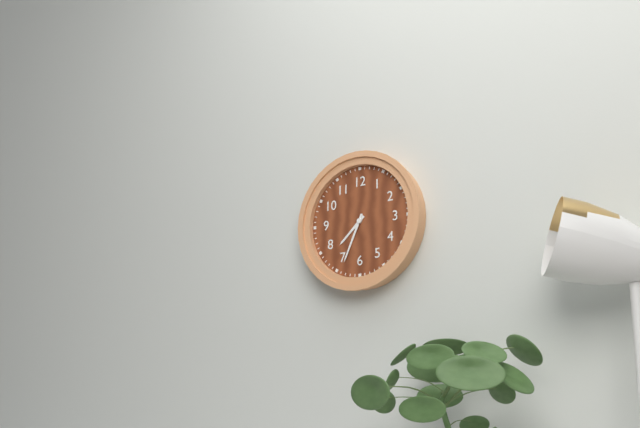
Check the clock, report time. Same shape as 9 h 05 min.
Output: 7 h 34 min
